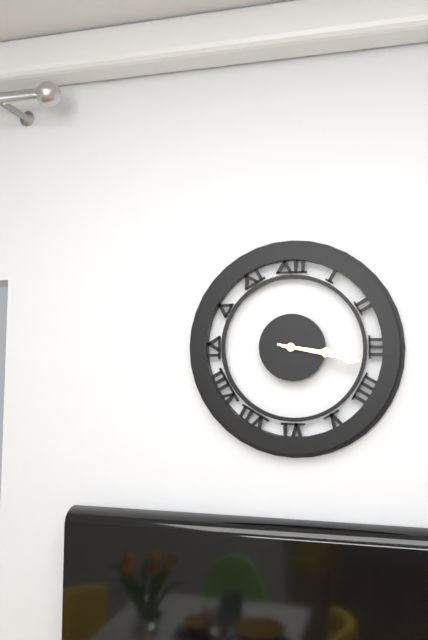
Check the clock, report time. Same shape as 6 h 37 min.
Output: 3 h 17 min
